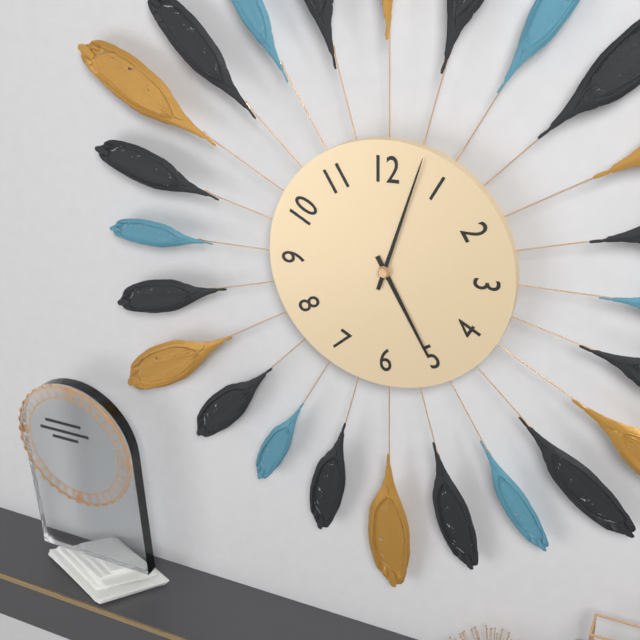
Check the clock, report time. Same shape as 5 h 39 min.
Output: 5 h 03 min
